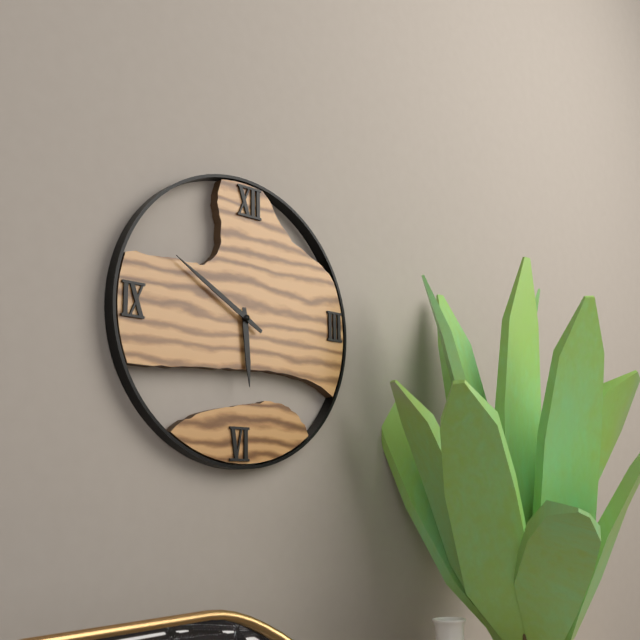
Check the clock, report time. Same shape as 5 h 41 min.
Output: 5 h 50 min
